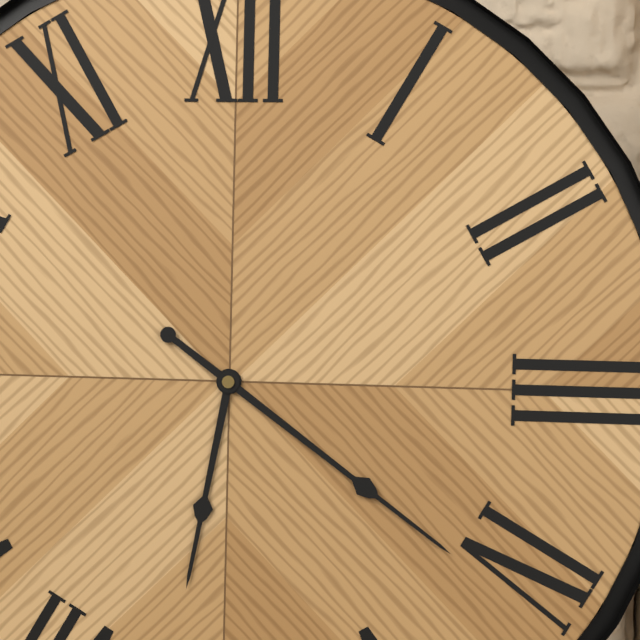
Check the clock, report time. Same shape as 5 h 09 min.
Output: 6 h 21 min
